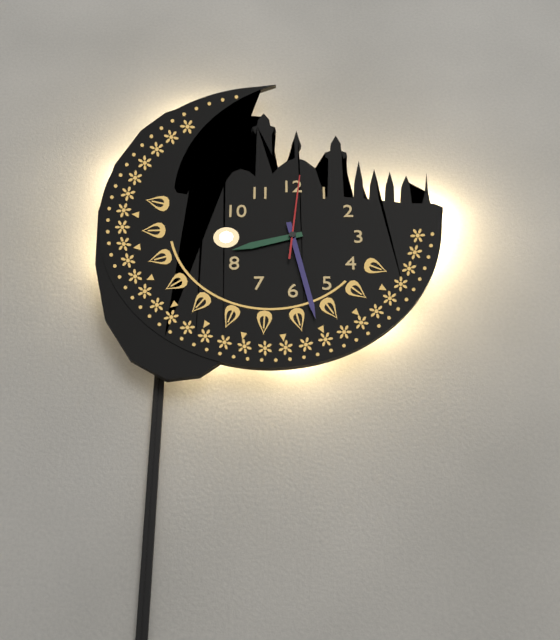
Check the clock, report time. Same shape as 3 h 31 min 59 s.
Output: 8 h 28 min 01 s
